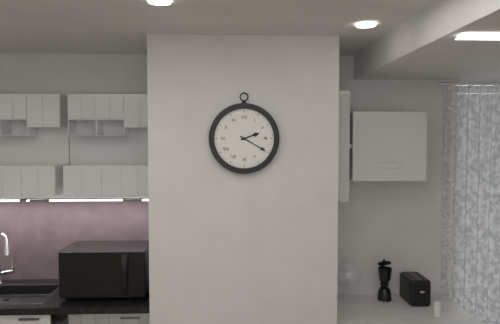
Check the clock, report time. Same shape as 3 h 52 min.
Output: 2 h 20 min
